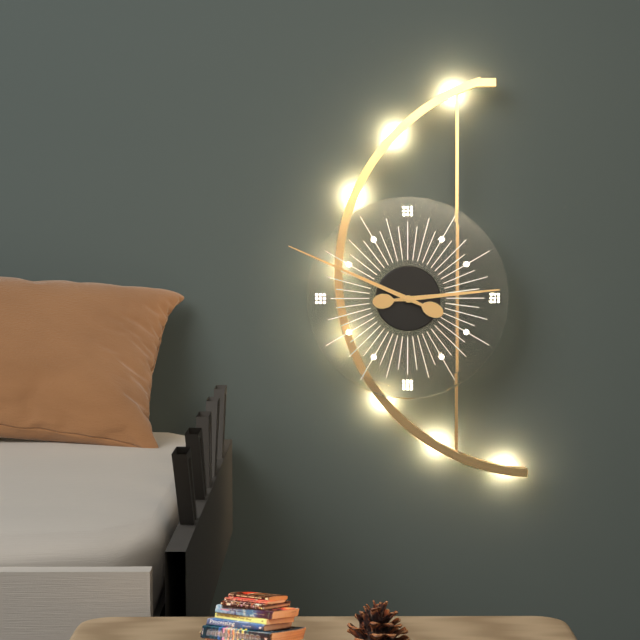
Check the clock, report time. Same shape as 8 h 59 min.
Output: 2 h 49 min
